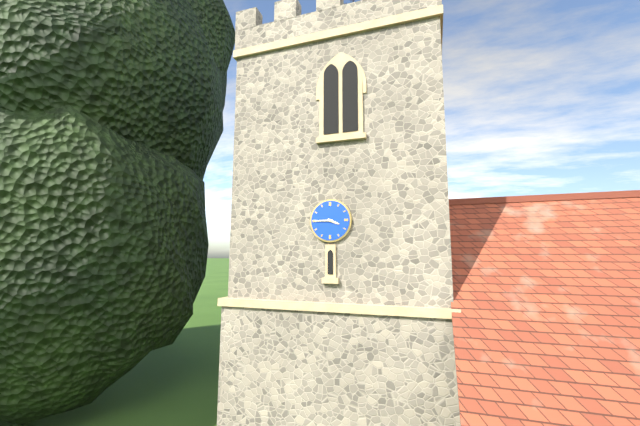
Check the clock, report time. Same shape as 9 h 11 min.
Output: 3 h 45 min
